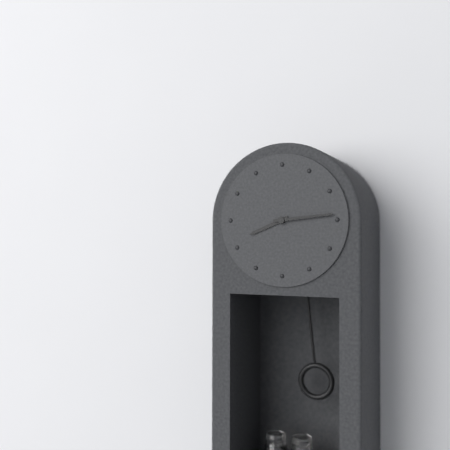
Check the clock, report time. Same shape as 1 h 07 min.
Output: 8 h 14 min
